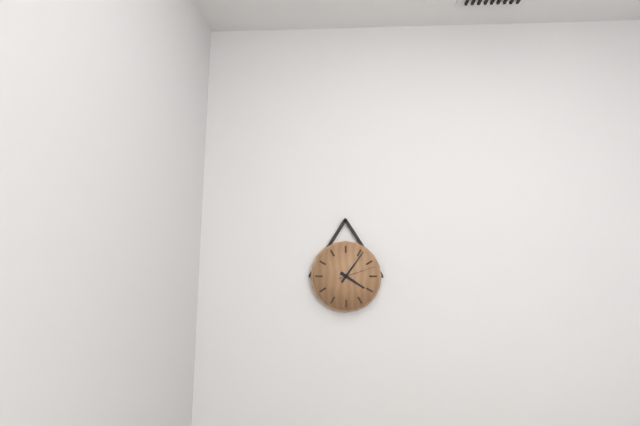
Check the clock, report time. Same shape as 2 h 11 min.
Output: 4 h 06 min
